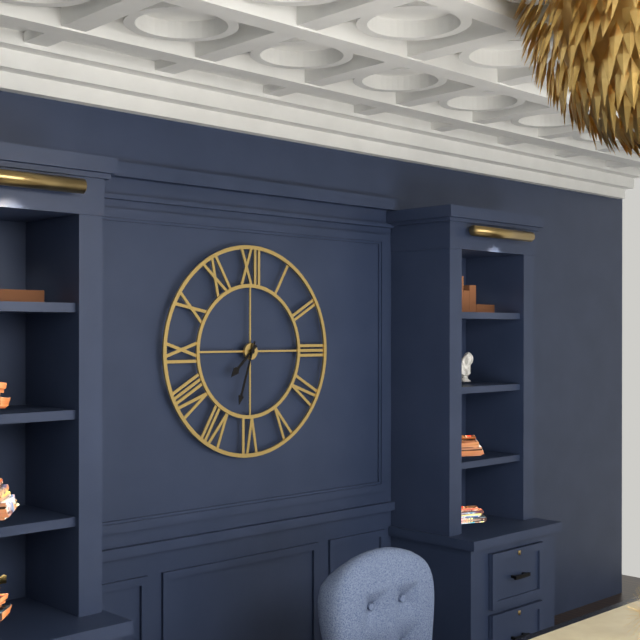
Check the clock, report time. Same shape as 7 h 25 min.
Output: 7 h 33 min
